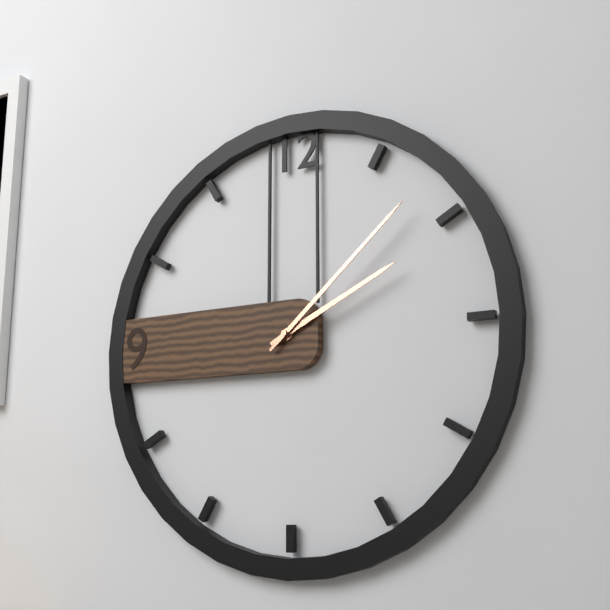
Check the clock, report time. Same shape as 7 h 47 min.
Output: 2 h 08 min
